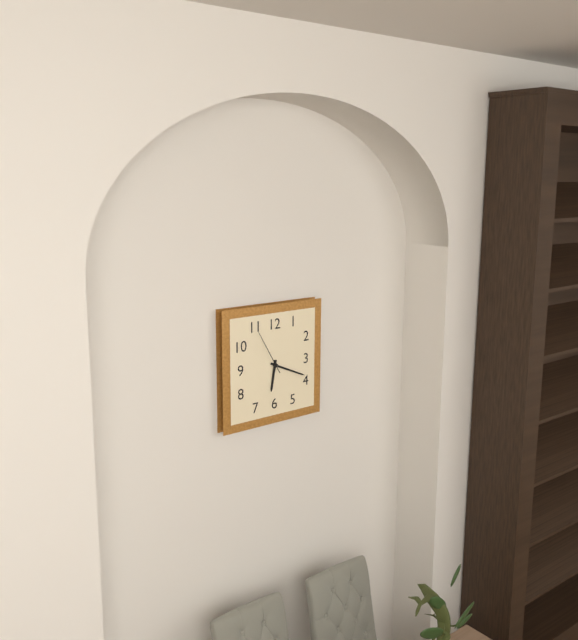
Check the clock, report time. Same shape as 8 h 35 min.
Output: 6 h 19 min
